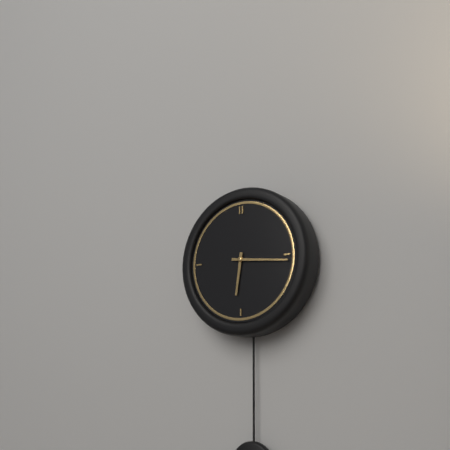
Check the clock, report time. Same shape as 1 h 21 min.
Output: 6 h 16 min
